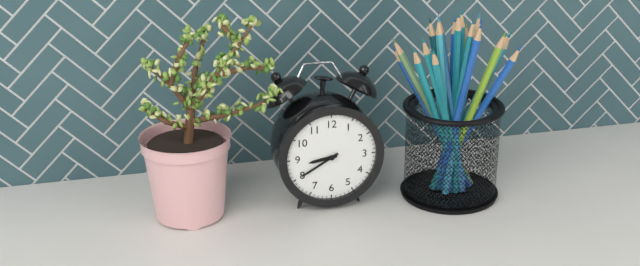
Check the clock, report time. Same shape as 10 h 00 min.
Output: 8 h 40 min
